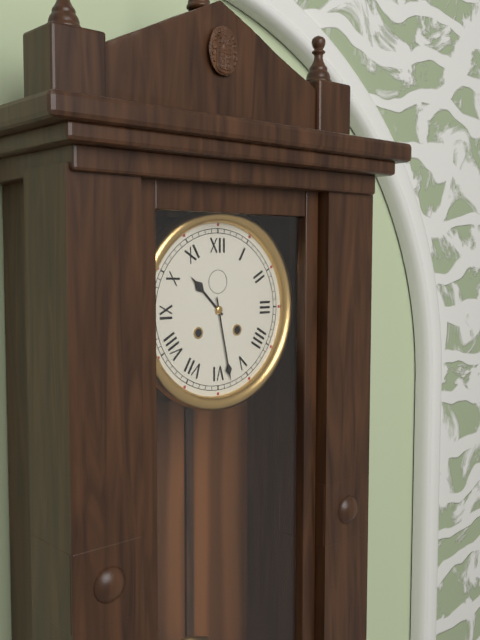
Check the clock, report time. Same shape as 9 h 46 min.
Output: 10 h 28 min
